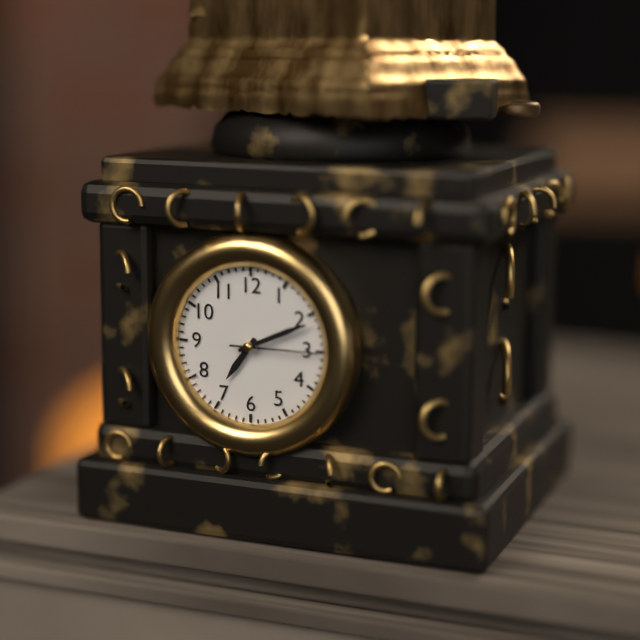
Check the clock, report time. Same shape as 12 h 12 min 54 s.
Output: 7 h 11 min 15 s
